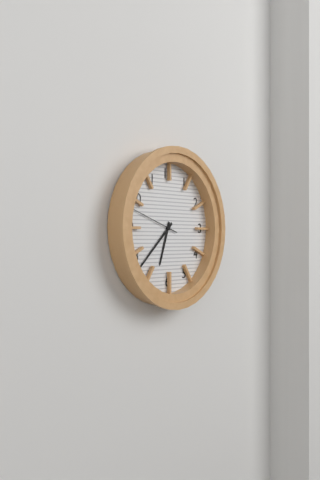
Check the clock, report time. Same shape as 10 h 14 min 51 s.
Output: 6 h 38 min 48 s
